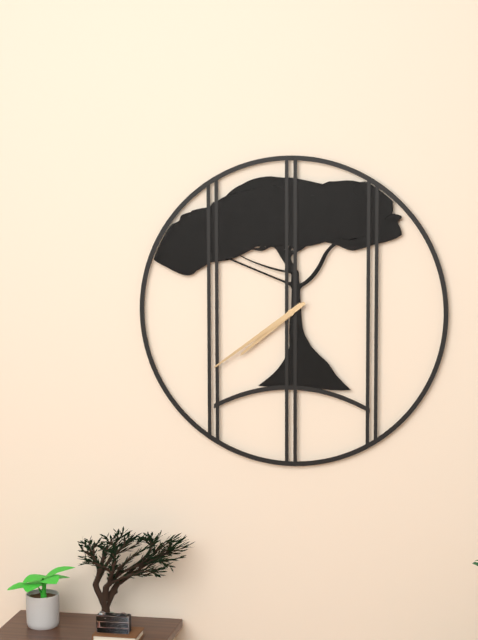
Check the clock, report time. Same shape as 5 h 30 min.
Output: 7 h 39 min
